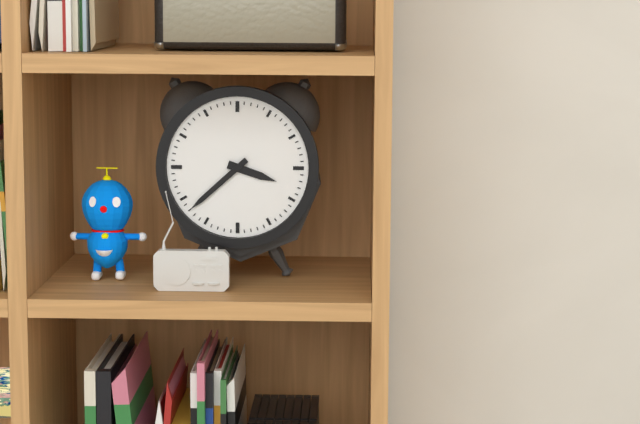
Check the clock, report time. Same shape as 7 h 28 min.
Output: 3 h 38 min
